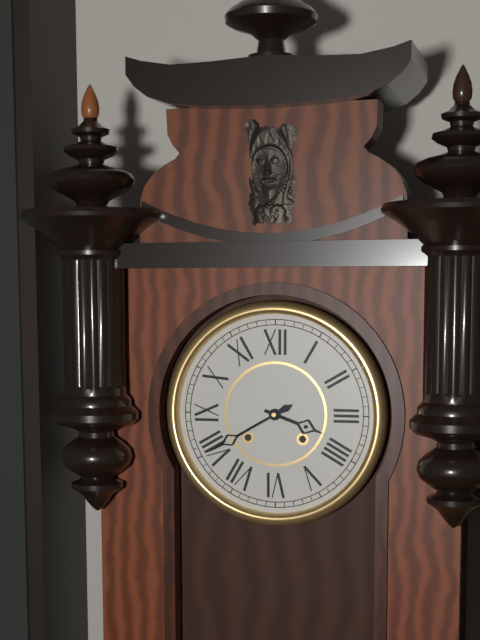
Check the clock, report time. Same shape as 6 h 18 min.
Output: 3 h 40 min
